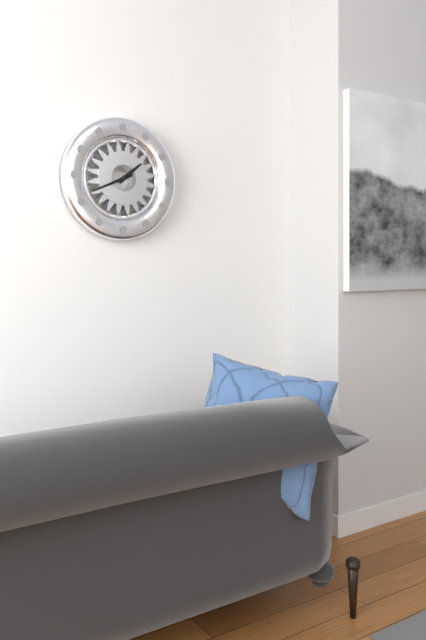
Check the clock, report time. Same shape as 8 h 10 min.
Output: 1 h 41 min
